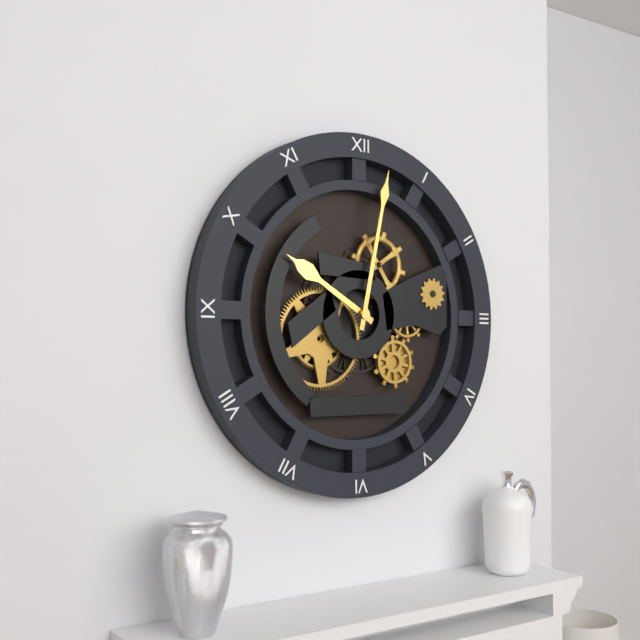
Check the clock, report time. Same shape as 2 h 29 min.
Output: 10 h 02 min
